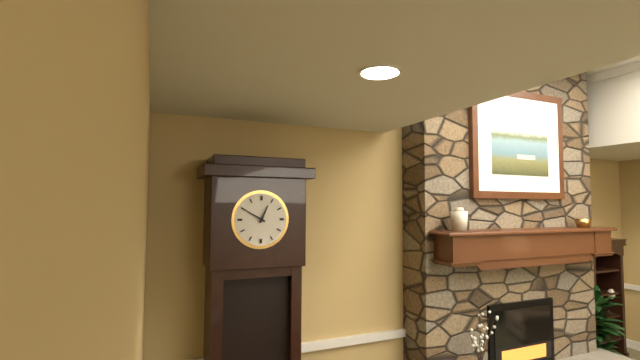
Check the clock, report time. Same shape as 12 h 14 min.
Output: 12 h 50 min
